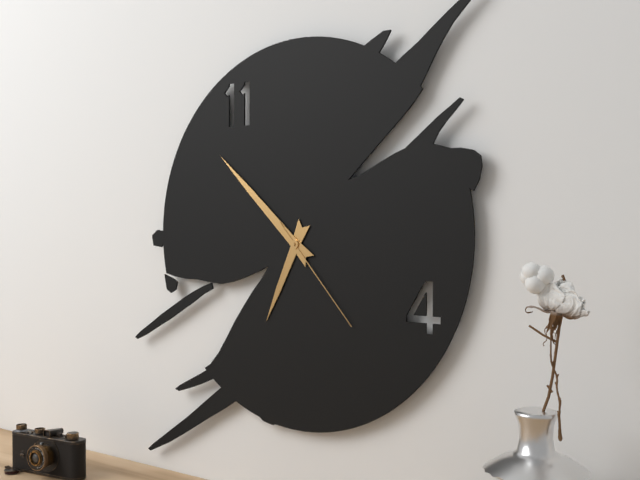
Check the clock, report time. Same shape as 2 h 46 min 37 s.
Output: 6 h 52 min 23 s
